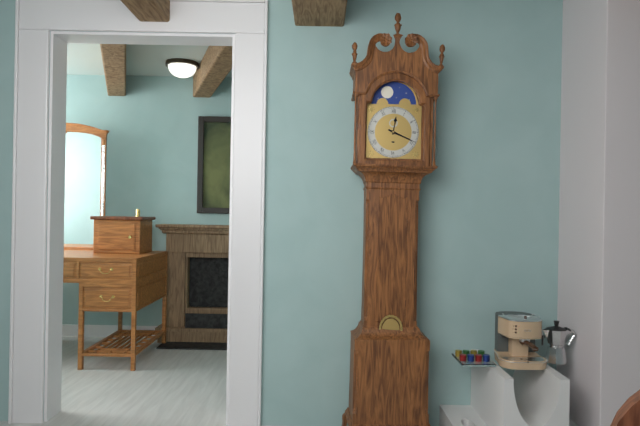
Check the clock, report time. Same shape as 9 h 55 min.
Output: 12 h 19 min
